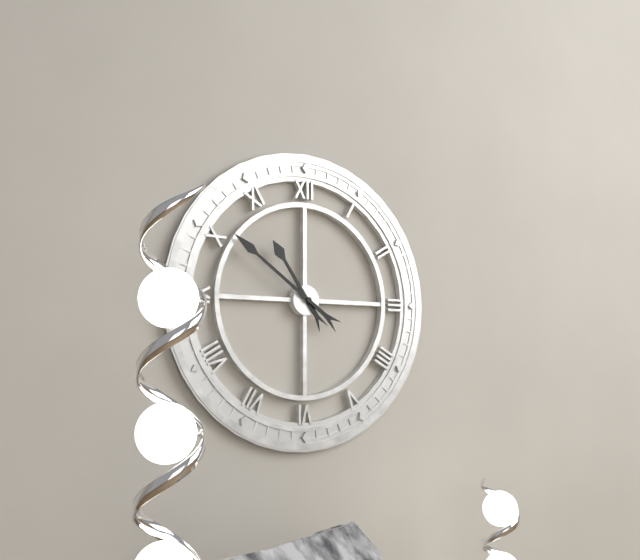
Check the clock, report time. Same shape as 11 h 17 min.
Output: 10 h 51 min
